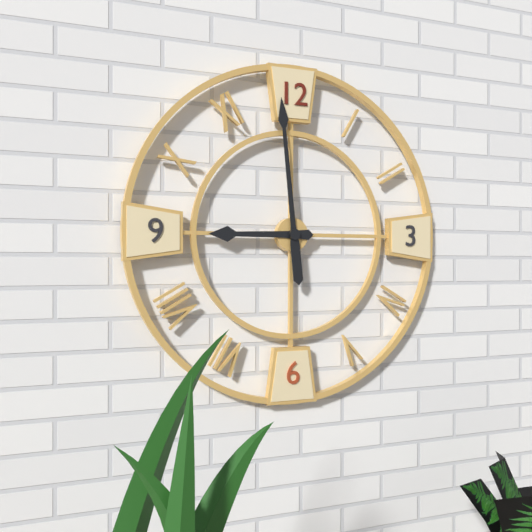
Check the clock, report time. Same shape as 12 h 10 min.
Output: 8 h 59 min
